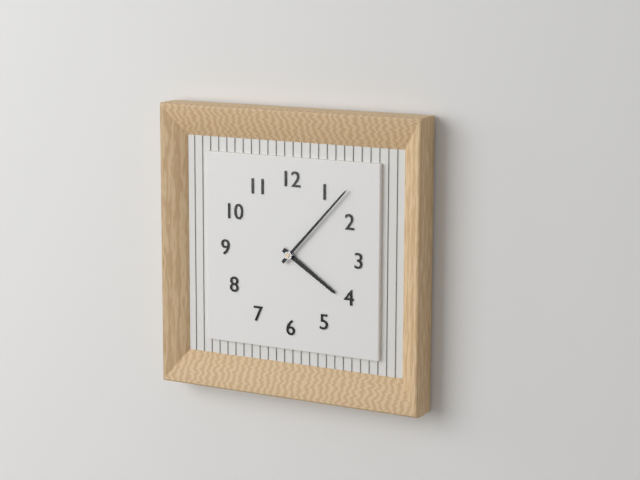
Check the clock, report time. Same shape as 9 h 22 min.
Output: 4 h 07 min
